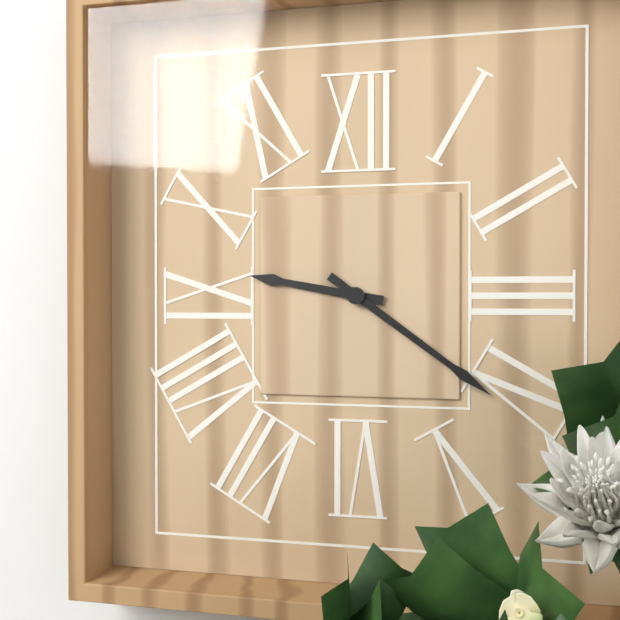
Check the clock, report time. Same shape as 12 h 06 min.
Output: 9 h 21 min
